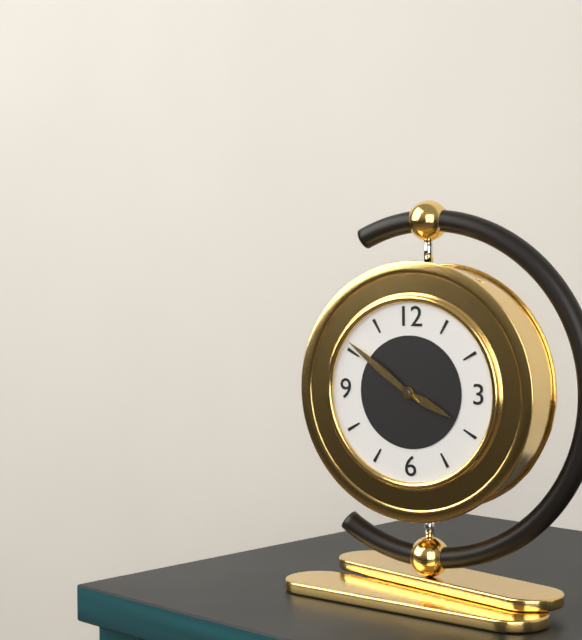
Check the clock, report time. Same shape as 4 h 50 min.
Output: 3 h 51 min
